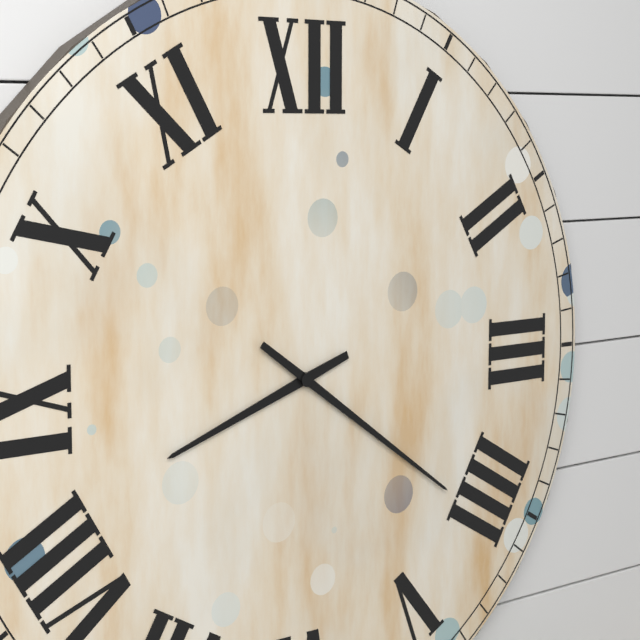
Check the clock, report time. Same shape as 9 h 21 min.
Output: 8 h 21 min
